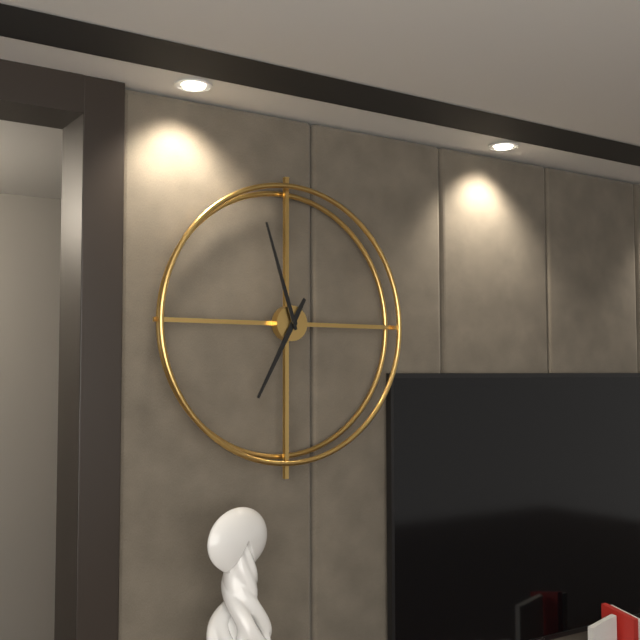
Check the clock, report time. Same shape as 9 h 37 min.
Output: 6 h 57 min
